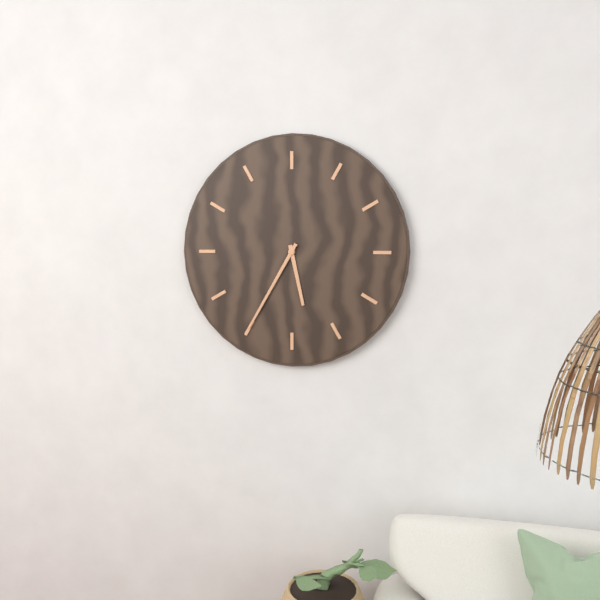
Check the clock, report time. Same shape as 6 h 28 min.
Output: 5 h 35 min
